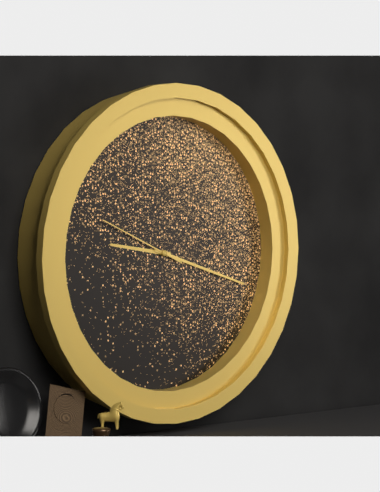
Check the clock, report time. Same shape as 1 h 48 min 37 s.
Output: 9 h 18 min 49 s
